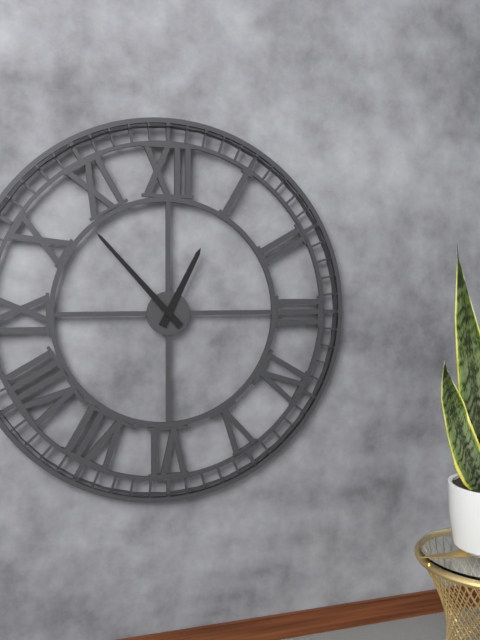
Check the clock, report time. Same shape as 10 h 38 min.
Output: 12 h 53 min
